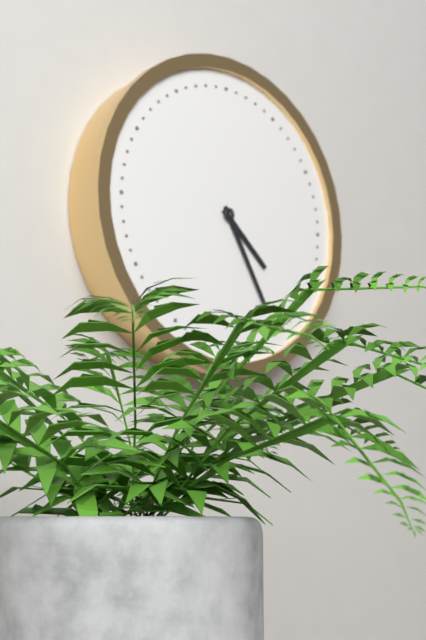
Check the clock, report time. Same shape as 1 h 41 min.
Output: 4 h 25 min
